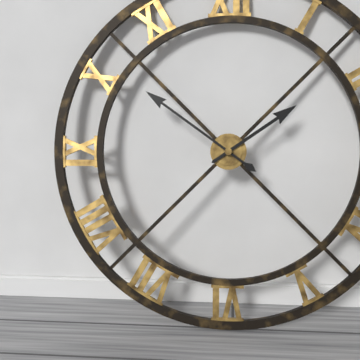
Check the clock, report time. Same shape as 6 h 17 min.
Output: 1 h 51 min
